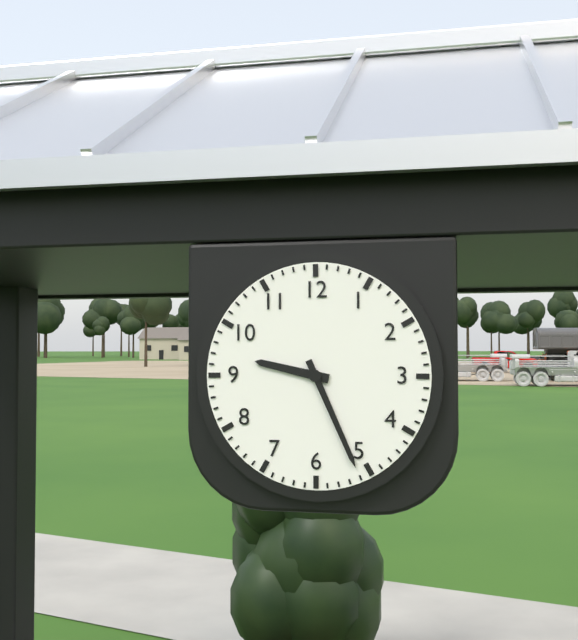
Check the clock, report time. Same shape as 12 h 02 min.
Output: 9 h 26 min
